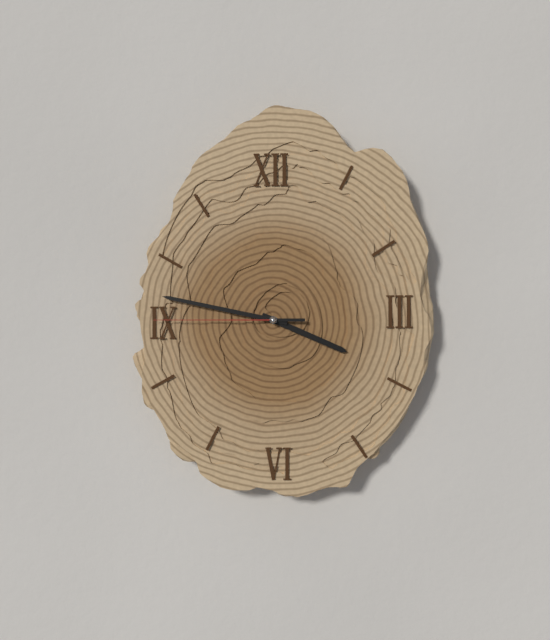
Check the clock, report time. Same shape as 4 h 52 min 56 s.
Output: 3 h 47 min 45 s
